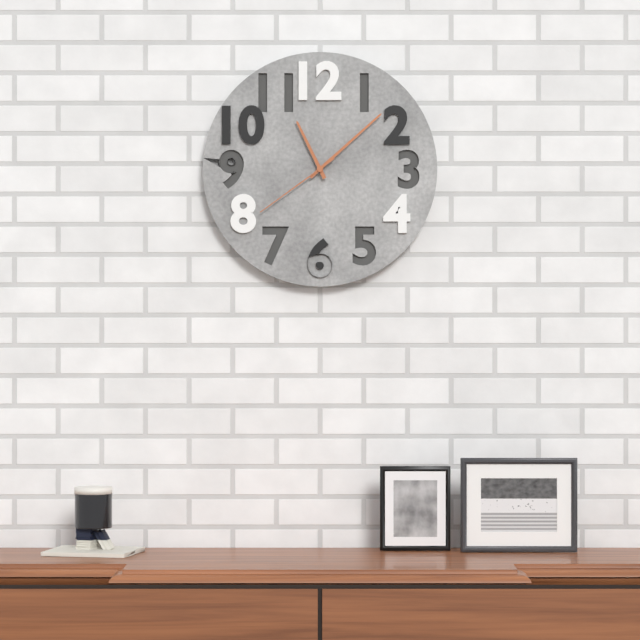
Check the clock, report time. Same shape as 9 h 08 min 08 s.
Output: 11 h 08 min 39 s
